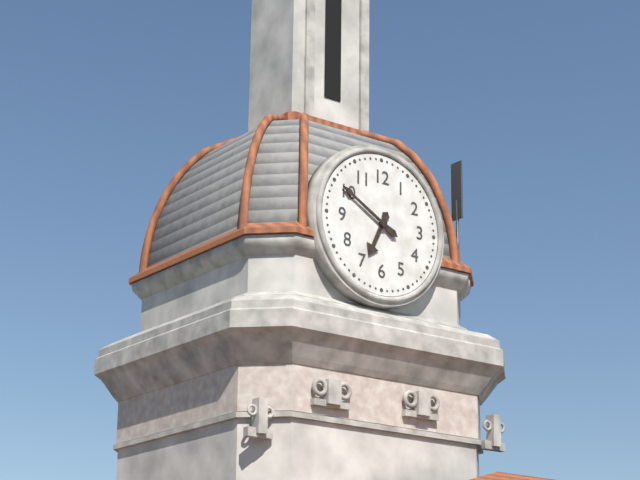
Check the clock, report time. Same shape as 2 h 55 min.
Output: 6 h 50 min
